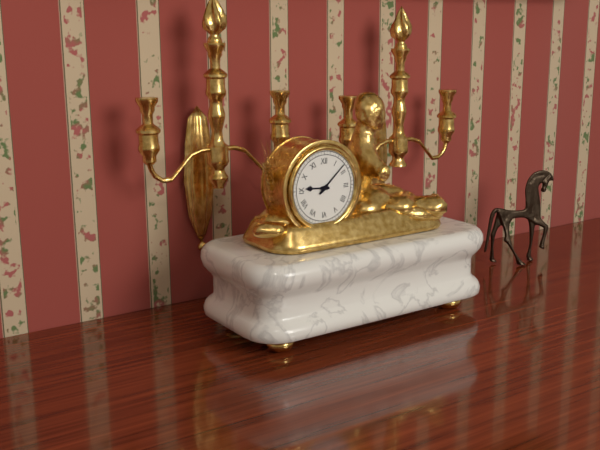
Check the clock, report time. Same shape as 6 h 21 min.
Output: 9 h 08 min
